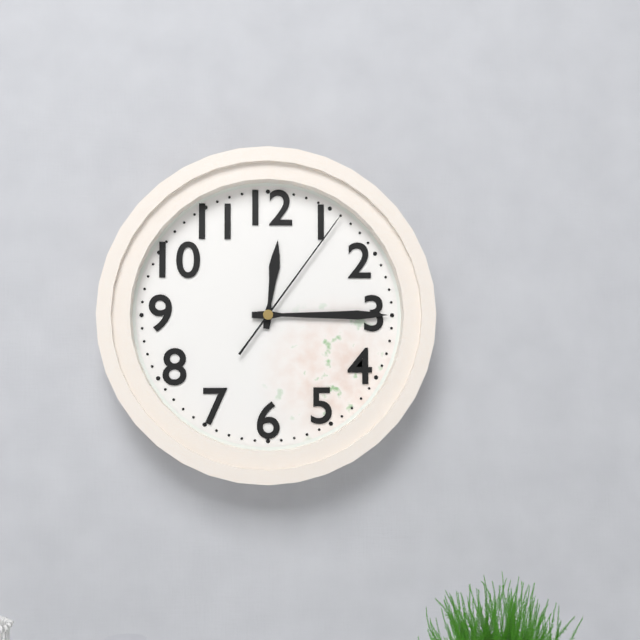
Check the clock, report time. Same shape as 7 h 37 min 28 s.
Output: 12 h 15 min 06 s
